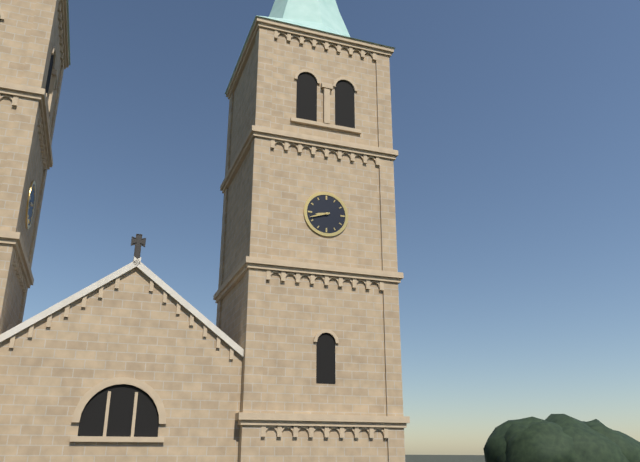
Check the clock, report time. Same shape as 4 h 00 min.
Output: 8 h 42 min
